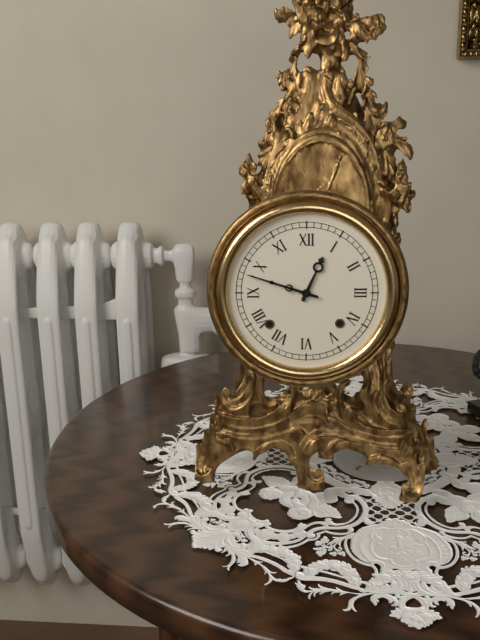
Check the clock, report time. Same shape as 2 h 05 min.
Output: 12 h 48 min
